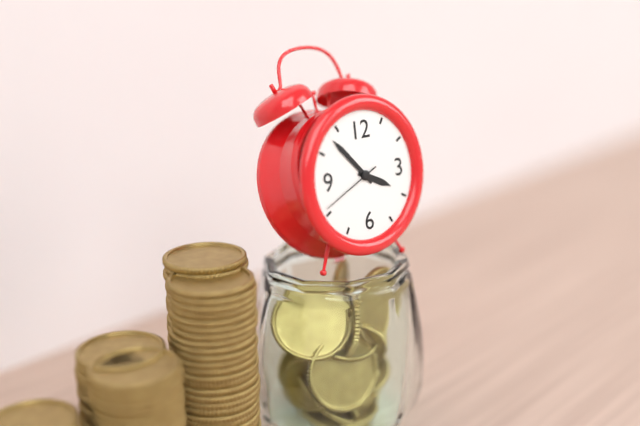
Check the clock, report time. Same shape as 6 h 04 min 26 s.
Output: 3 h 53 min 41 s
